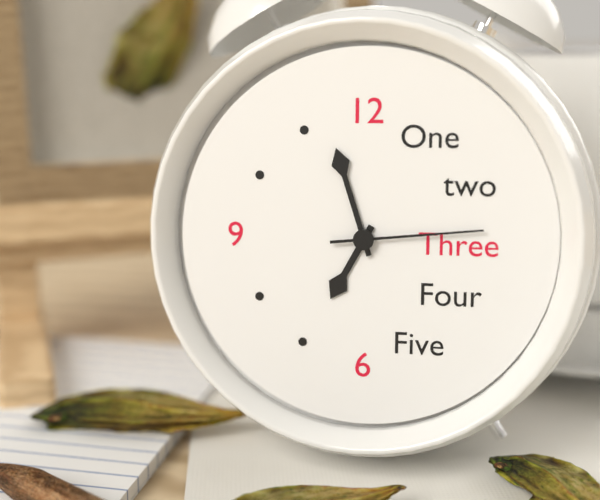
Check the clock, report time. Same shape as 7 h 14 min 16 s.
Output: 6 h 57 min 14 s
